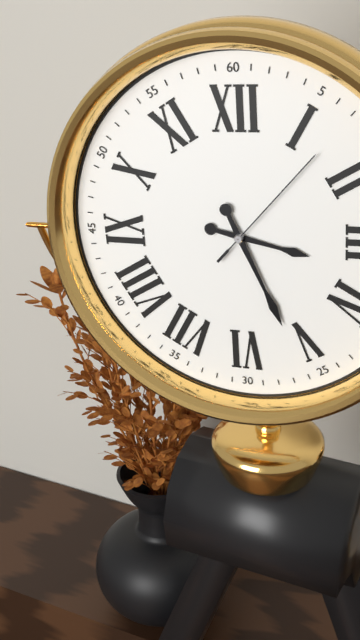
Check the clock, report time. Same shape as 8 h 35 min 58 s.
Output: 3 h 26 min 07 s
